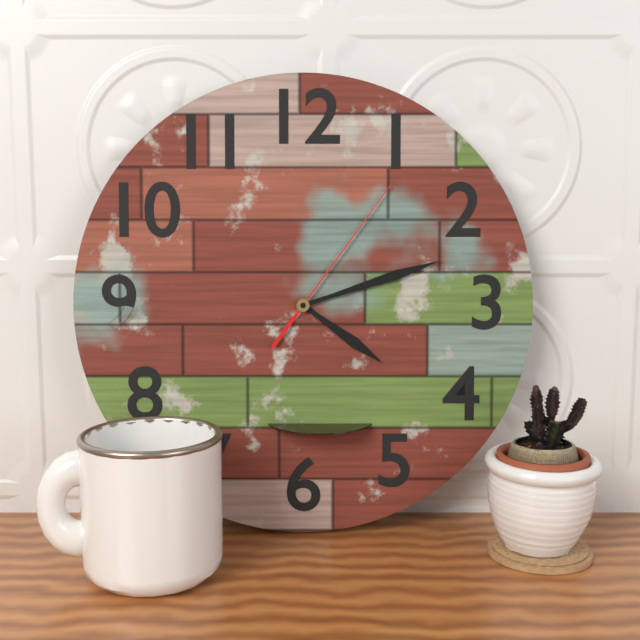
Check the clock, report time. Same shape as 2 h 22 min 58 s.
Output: 4 h 12 min 06 s
